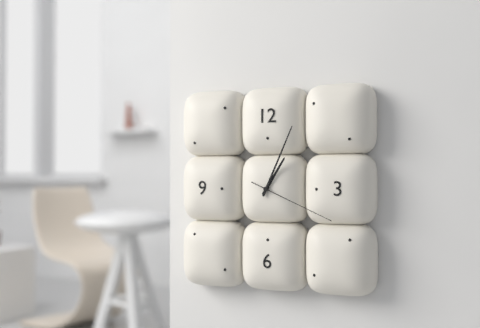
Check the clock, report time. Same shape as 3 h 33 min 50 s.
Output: 1 h 04 min 19 s
